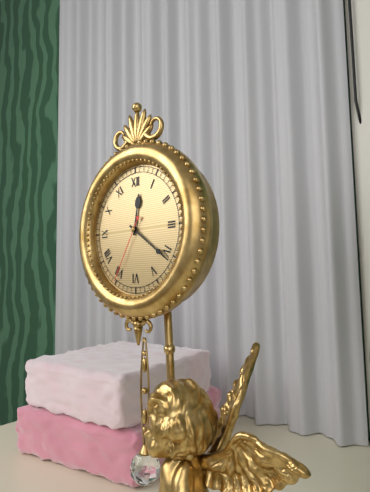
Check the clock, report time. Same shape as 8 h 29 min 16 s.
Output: 12 h 21 min 35 s
